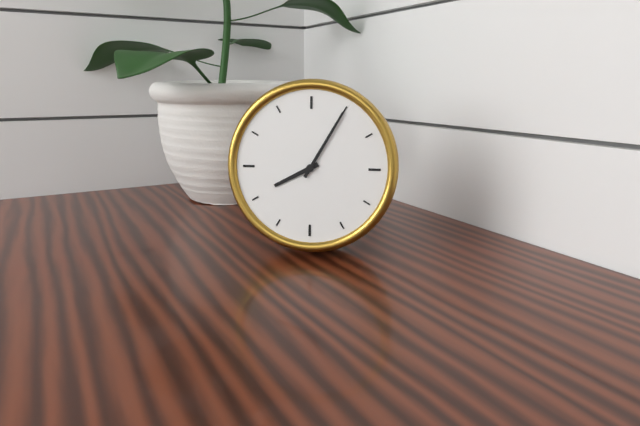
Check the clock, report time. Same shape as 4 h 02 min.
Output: 8 h 05 min
